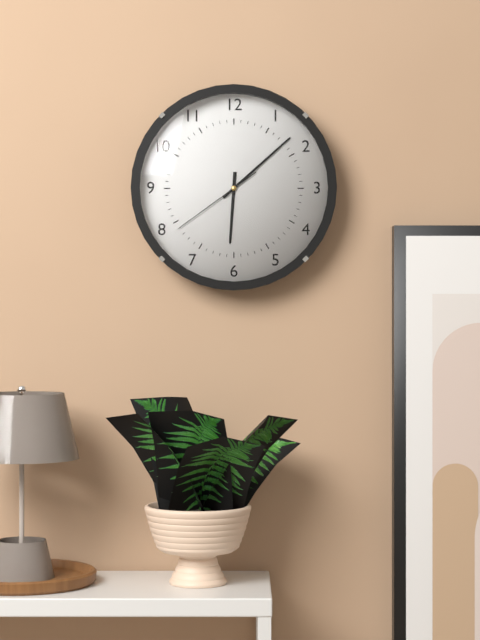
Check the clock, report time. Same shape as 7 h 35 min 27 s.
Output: 6 h 08 min 39 s
